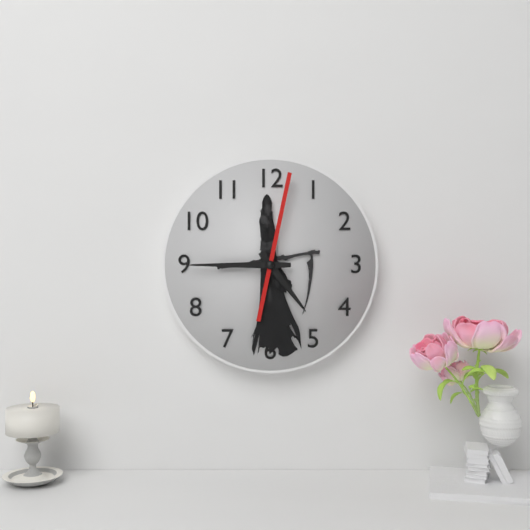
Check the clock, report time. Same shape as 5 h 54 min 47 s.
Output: 4 h 45 min 02 s
